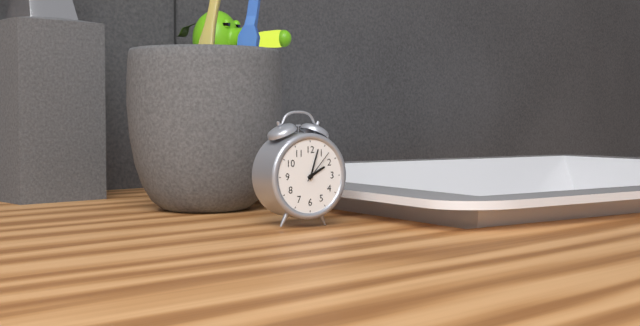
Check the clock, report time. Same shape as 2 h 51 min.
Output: 2 h 03 min
